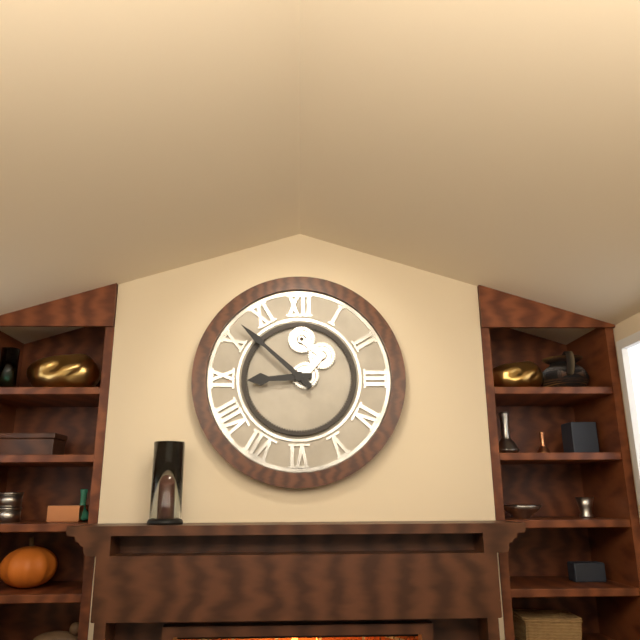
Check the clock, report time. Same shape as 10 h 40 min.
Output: 8 h 52 min
